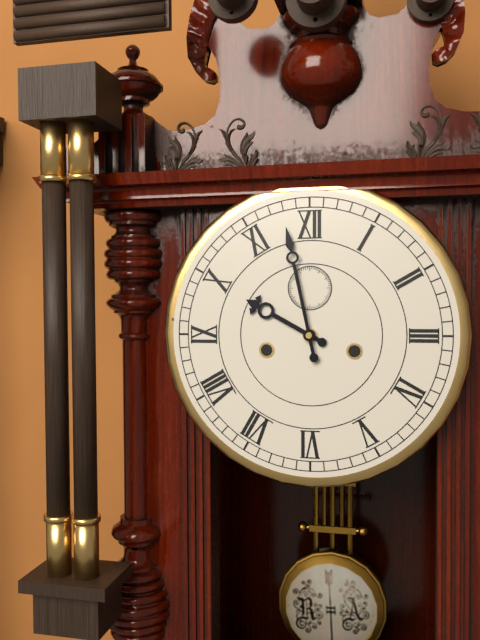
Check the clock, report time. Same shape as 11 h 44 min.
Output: 9 h 58 min
